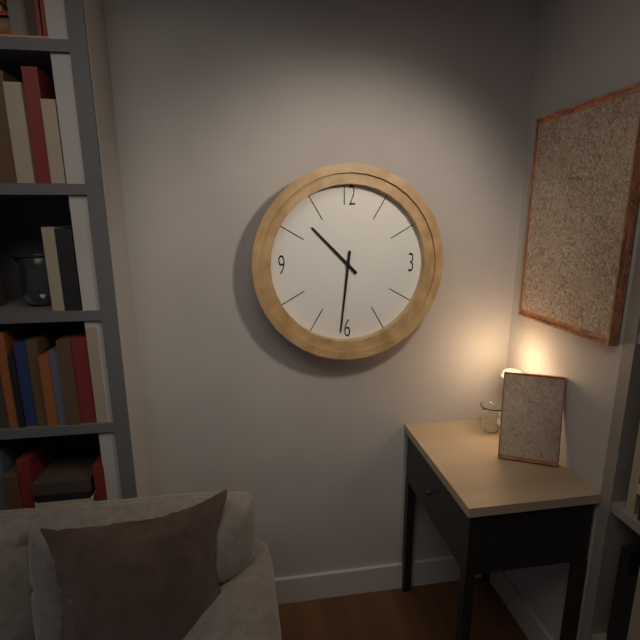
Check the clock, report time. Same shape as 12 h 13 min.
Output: 10 h 31 min
